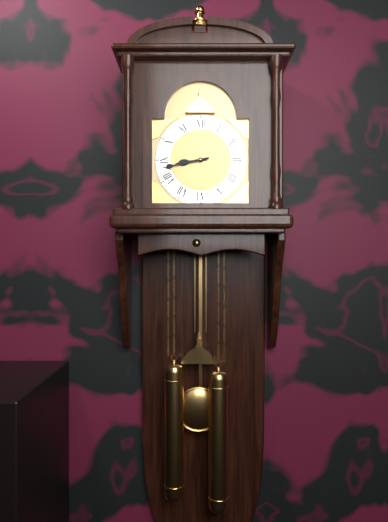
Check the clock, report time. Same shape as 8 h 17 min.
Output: 8 h 43 min
